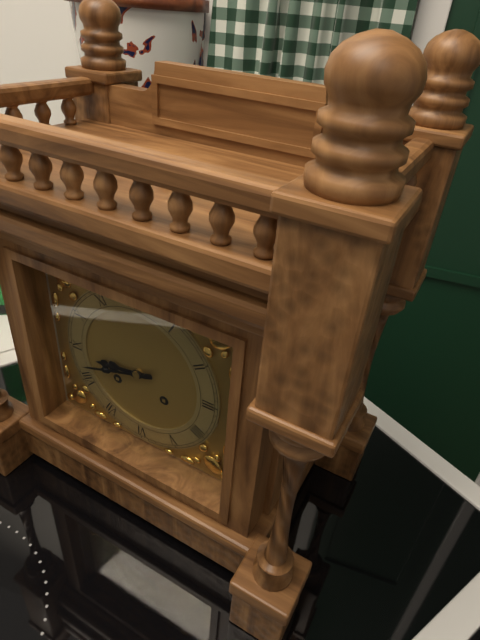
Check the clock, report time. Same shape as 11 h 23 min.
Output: 8 h 42 min
